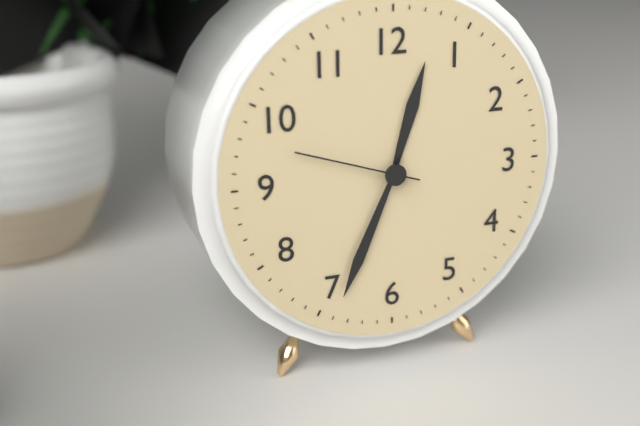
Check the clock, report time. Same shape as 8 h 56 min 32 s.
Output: 12 h 34 min 48 s
